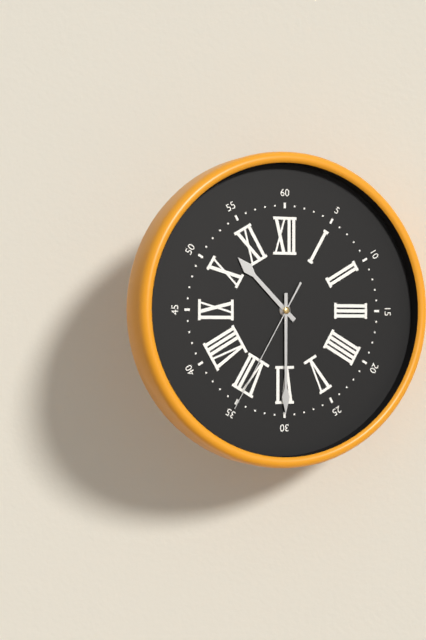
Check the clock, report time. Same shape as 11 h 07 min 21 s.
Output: 10 h 30 min 35 s
